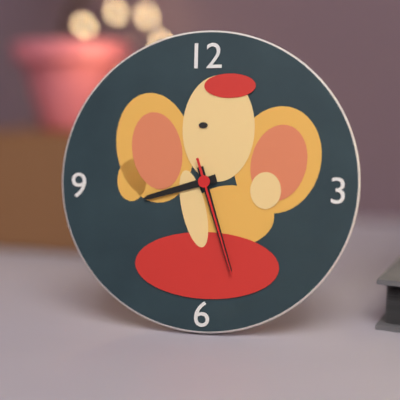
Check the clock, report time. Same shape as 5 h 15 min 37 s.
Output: 8 h 27 min 27 s
